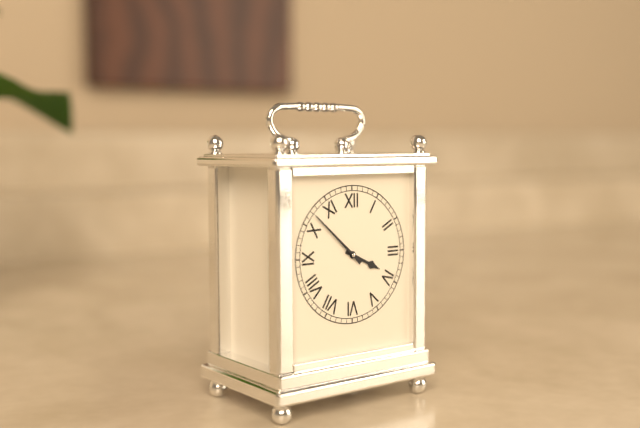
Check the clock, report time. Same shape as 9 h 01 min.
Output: 3 h 52 min
